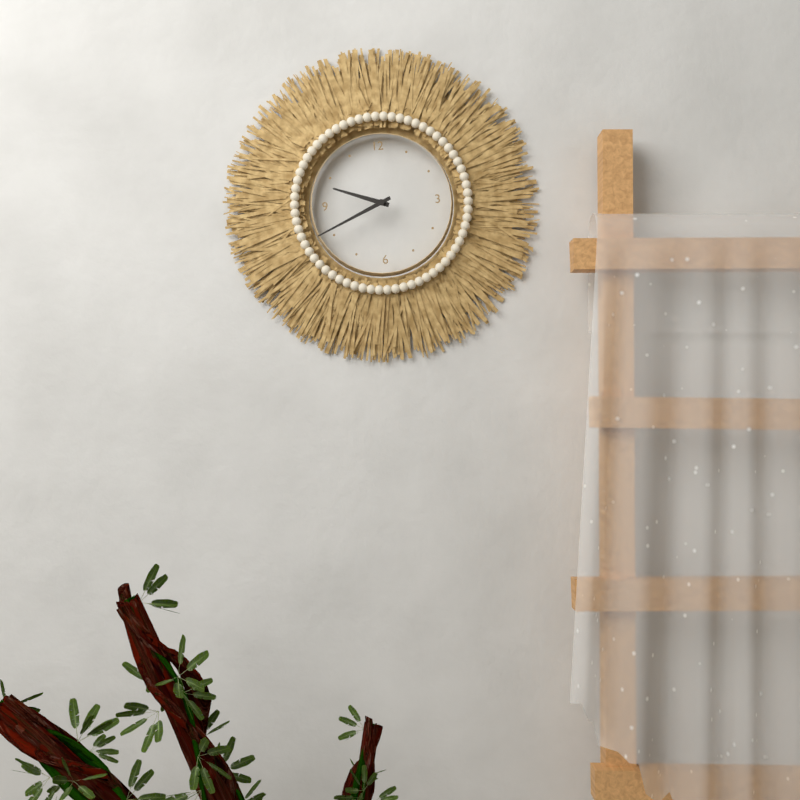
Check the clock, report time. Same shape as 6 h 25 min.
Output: 9 h 41 min
